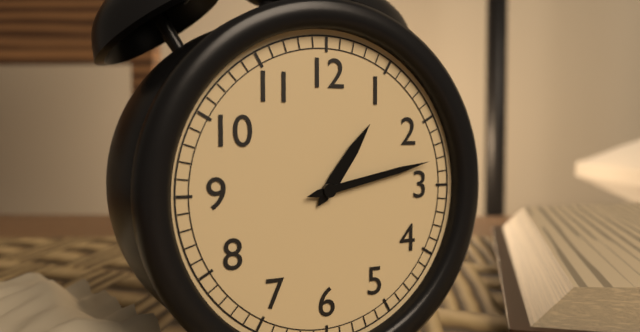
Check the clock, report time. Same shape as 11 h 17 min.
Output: 1 h 13 min
